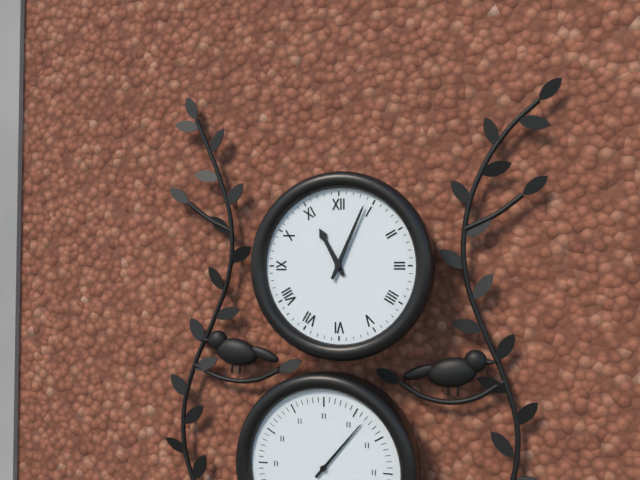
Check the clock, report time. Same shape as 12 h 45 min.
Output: 11 h 04 min
